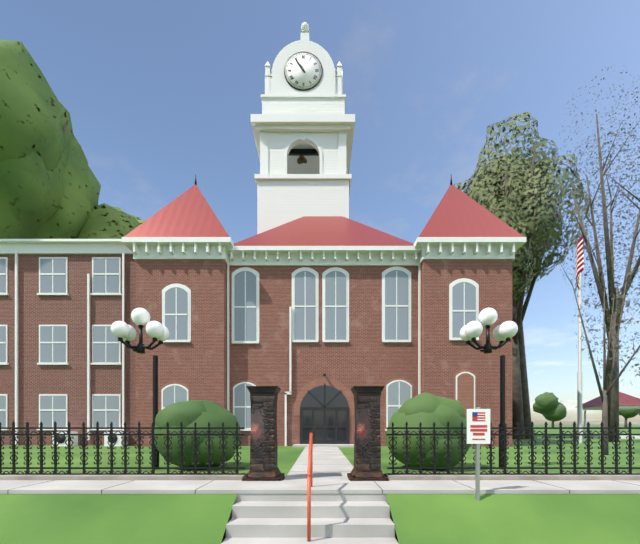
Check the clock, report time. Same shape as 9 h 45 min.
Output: 10 h 54 min
